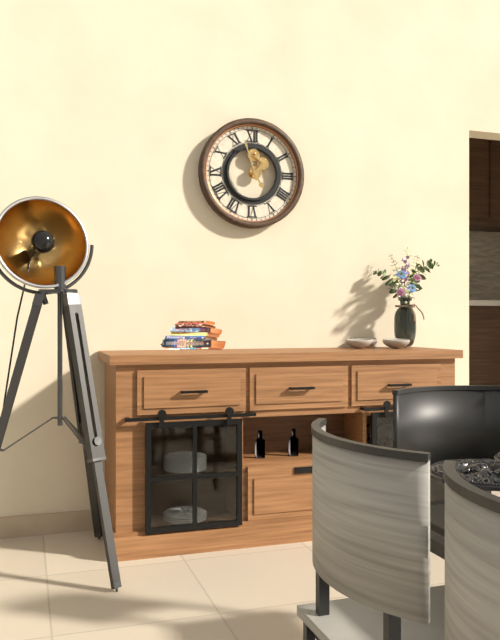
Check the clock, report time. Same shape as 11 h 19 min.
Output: 4 h 57 min
